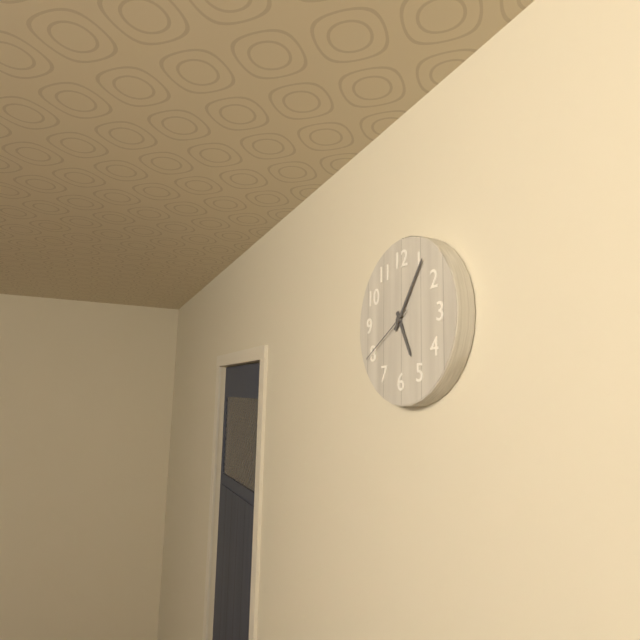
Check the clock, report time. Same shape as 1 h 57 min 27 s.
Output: 5 h 06 min 40 s
